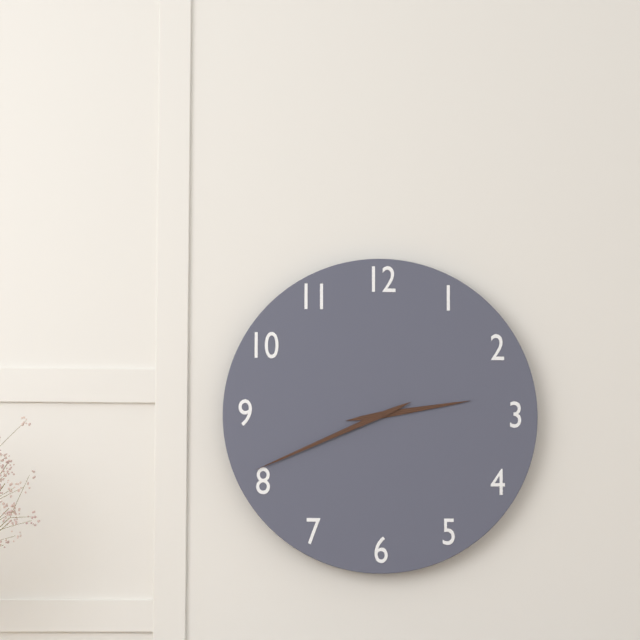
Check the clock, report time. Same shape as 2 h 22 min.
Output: 2 h 41 min
